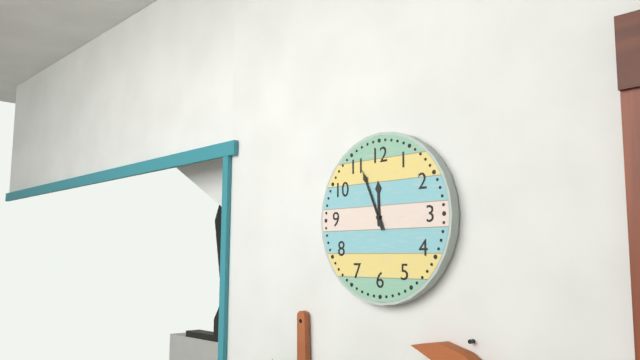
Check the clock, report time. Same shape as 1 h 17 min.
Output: 11 h 56 min
